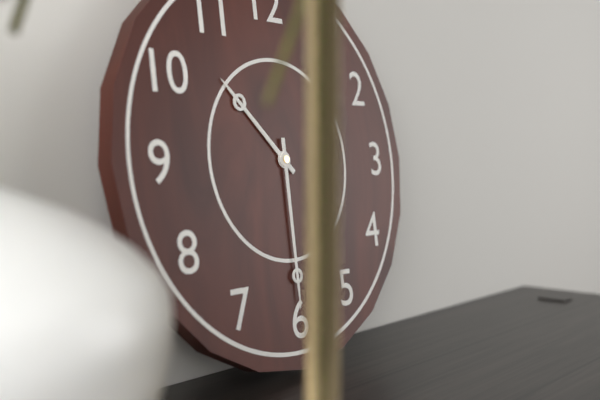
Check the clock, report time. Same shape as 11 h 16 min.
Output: 10 h 30 min
